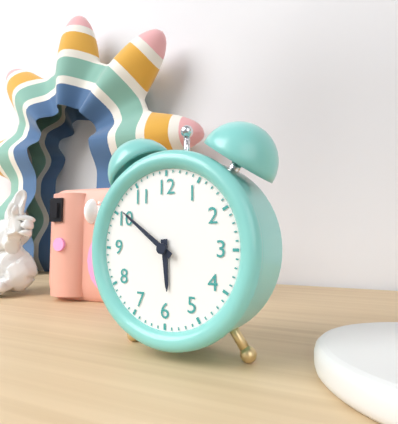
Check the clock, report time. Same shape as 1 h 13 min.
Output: 5 h 51 min
